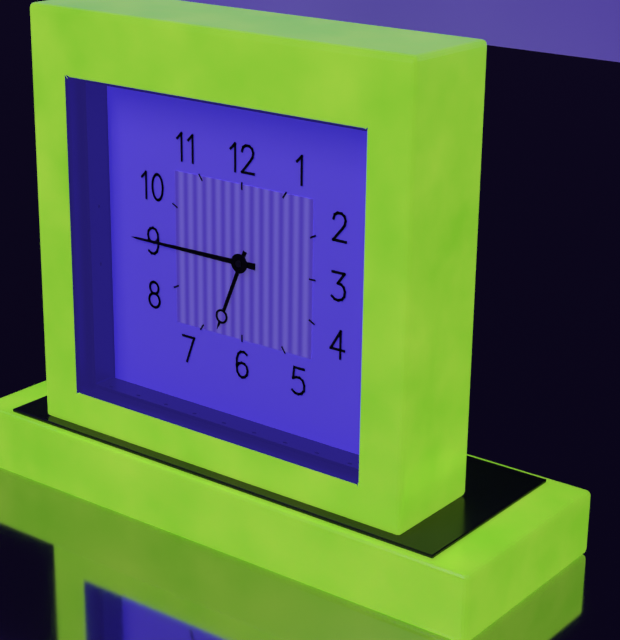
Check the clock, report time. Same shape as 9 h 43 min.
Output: 6 h 45 min
